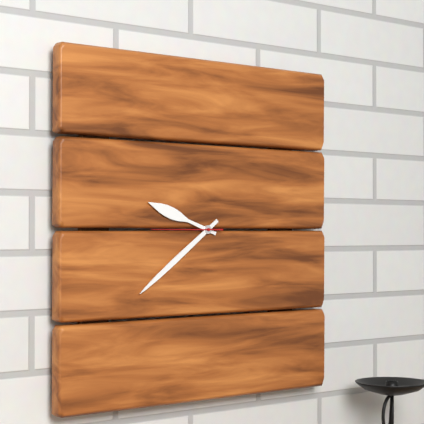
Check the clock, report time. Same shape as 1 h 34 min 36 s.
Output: 9 h 39 min 45 s
